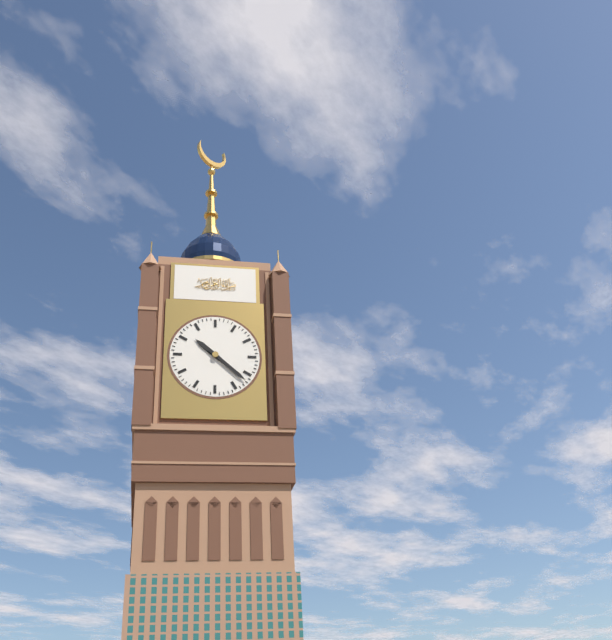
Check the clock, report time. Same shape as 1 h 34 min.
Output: 10 h 22 min
